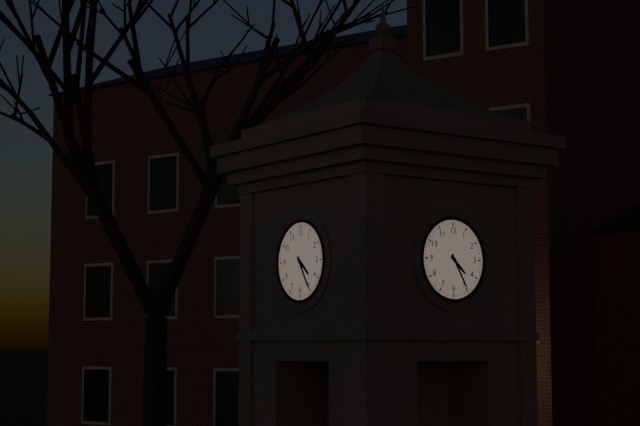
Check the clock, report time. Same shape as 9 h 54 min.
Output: 4 h 25 min
